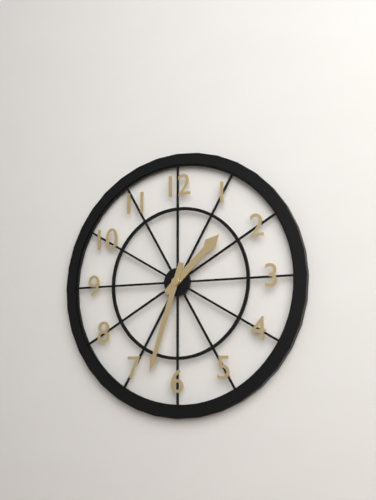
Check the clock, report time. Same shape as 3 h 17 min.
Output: 1 h 33 min
